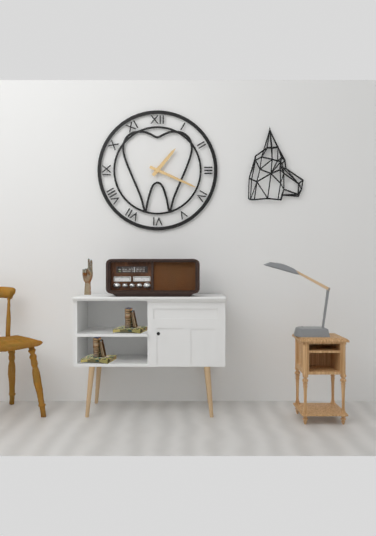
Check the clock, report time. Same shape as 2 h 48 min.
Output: 1 h 19 min
